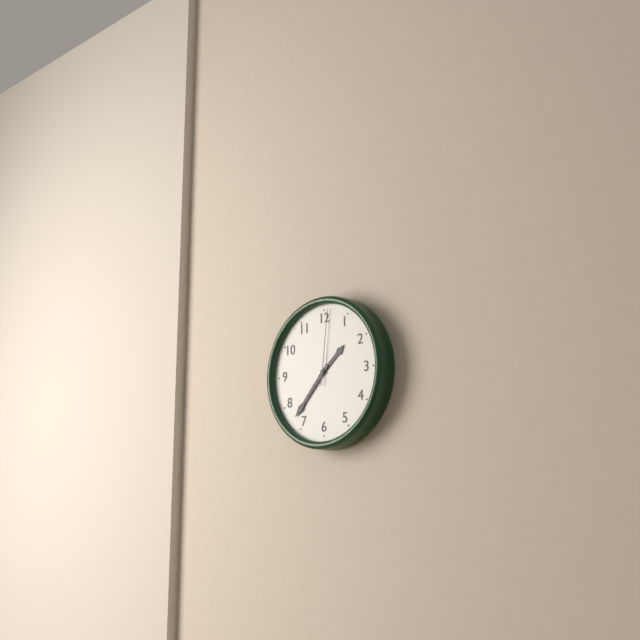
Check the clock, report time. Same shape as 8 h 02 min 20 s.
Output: 1 h 37 min 01 s
